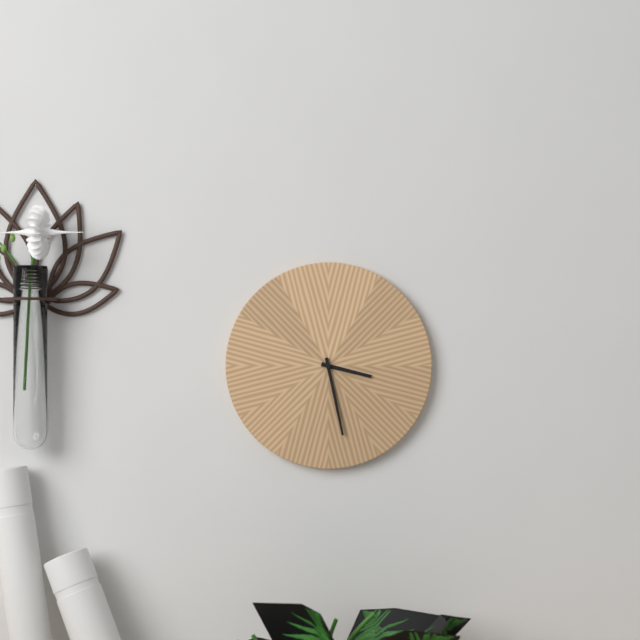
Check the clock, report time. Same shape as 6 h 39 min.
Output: 3 h 28 min
